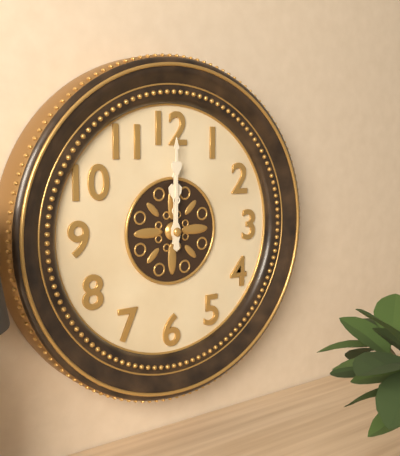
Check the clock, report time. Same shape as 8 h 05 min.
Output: 12 h 00 min
